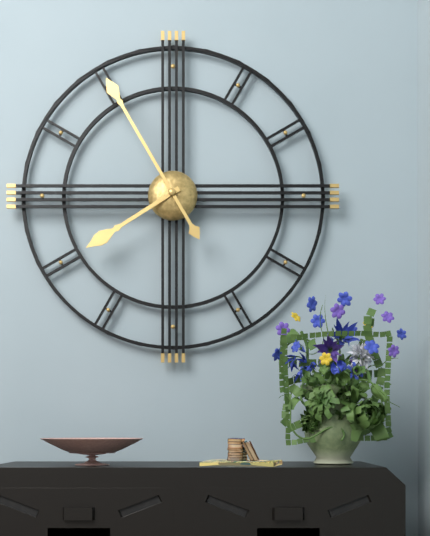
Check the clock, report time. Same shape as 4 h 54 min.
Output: 7 h 55 min
